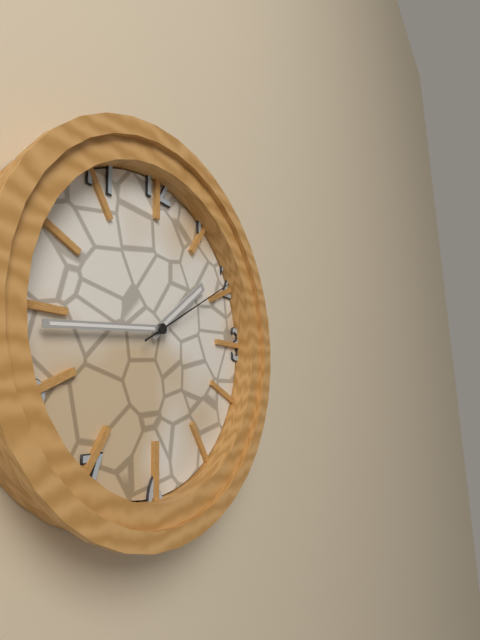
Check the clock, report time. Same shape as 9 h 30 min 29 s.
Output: 1 h 44 min 10 s
